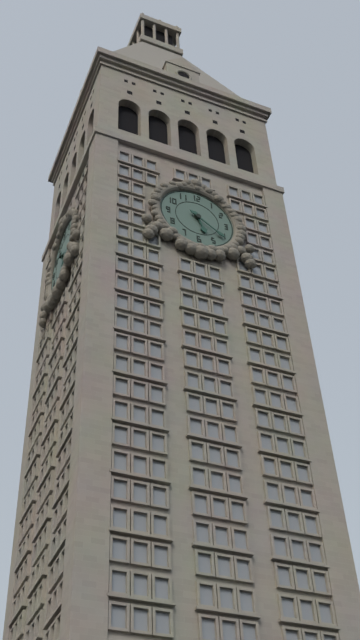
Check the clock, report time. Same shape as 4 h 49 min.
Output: 5 h 21 min
